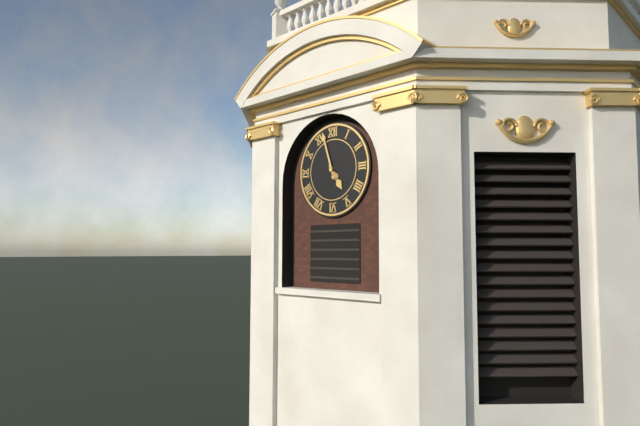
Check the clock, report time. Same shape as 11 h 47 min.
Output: 4 h 57 min
